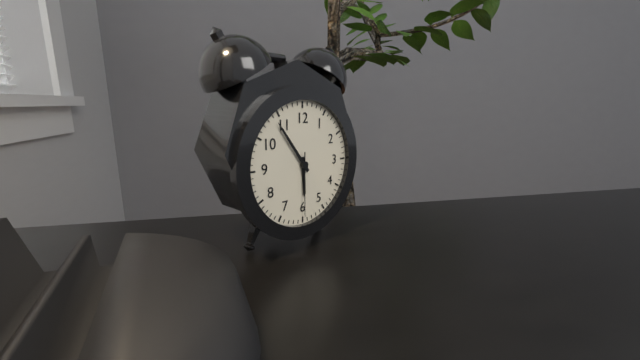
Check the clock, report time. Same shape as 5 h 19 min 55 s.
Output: 5 h 54 min 30 s
